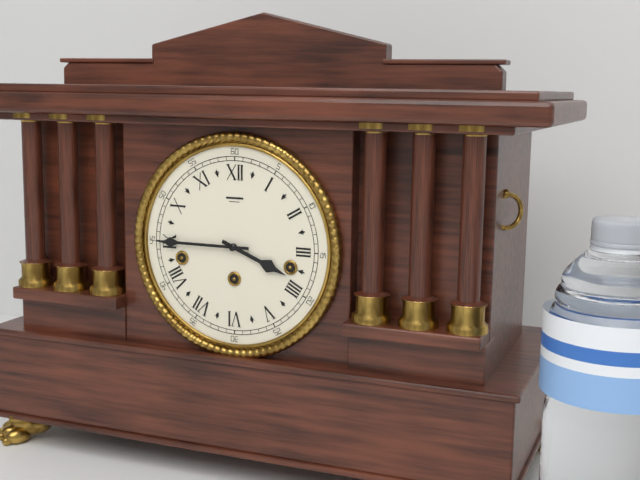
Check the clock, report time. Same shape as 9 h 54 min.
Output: 3 h 45 min
